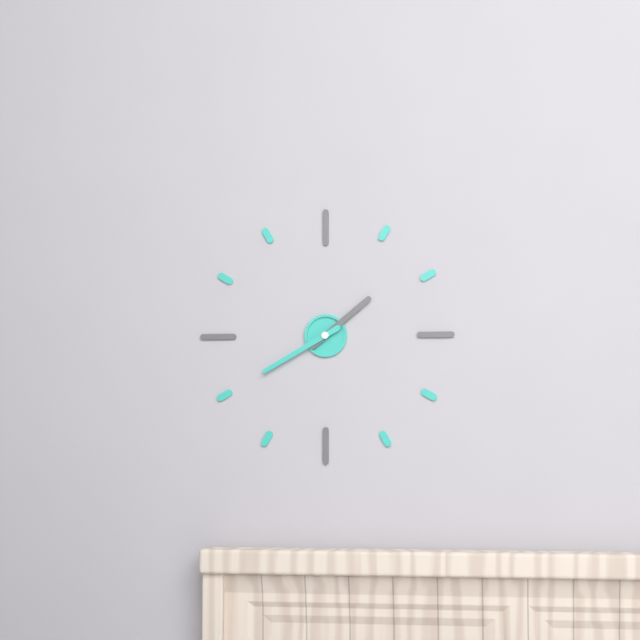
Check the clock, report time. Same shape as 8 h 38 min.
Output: 1 h 40 min
